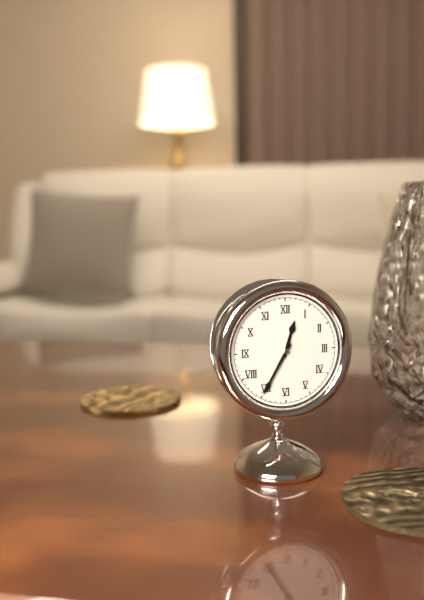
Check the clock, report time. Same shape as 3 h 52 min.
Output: 12 h 35 min
